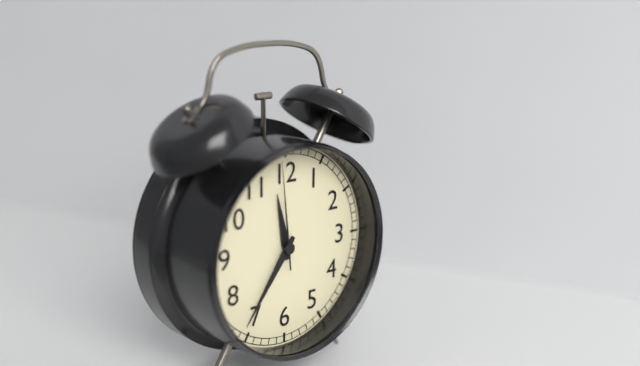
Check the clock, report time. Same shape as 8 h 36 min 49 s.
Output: 11 h 36 min 59 s
